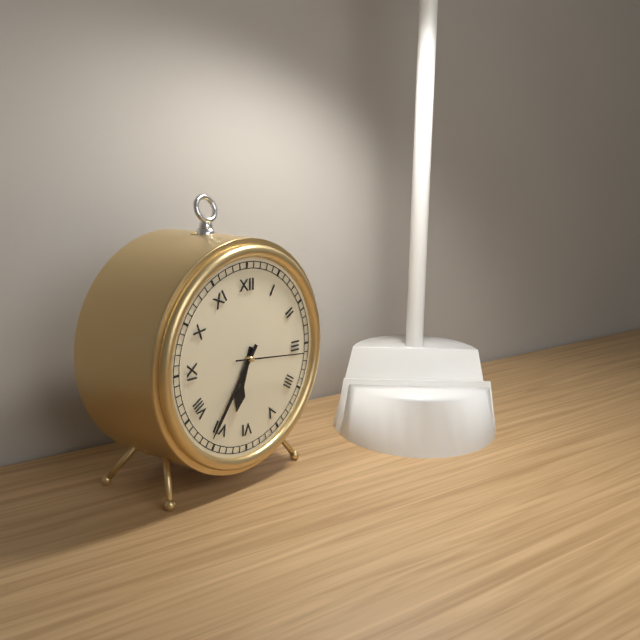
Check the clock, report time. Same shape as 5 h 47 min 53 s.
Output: 6 h 36 min 16 s
